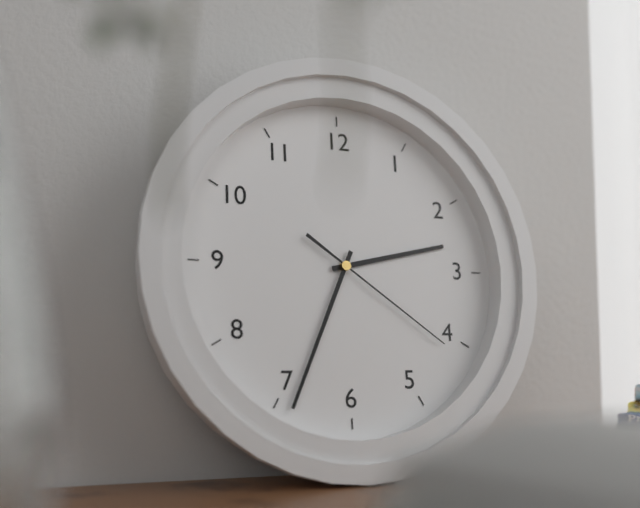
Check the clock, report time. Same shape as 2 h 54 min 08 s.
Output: 2 h 34 min 21 s
